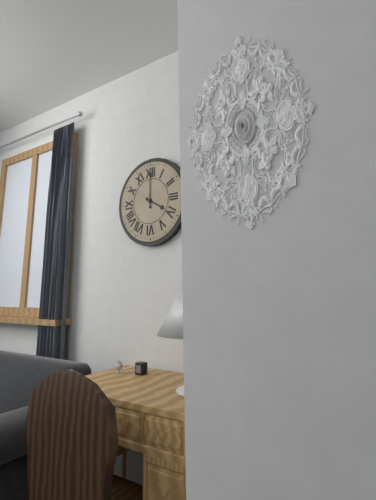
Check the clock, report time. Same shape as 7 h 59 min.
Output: 4 h 00 min
